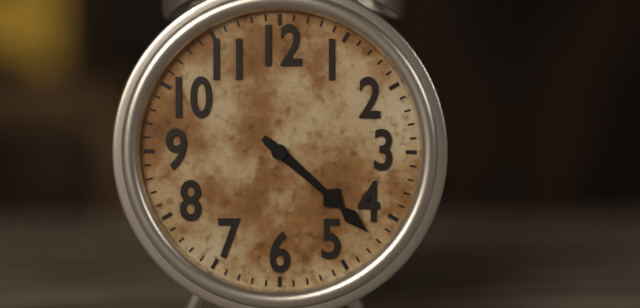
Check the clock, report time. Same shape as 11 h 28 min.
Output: 4 h 22 min
